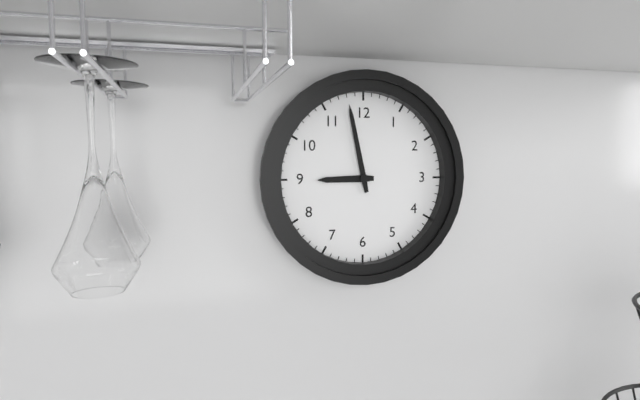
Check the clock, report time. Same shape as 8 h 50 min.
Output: 8 h 58 min
